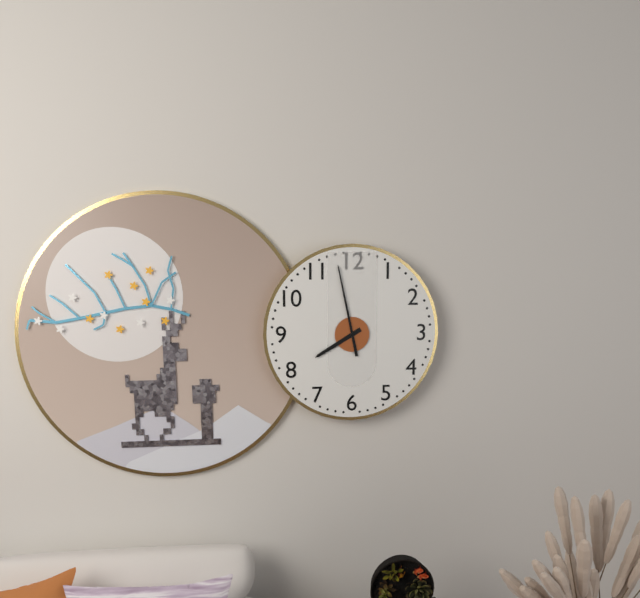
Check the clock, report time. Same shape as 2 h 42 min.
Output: 7 h 58 min
